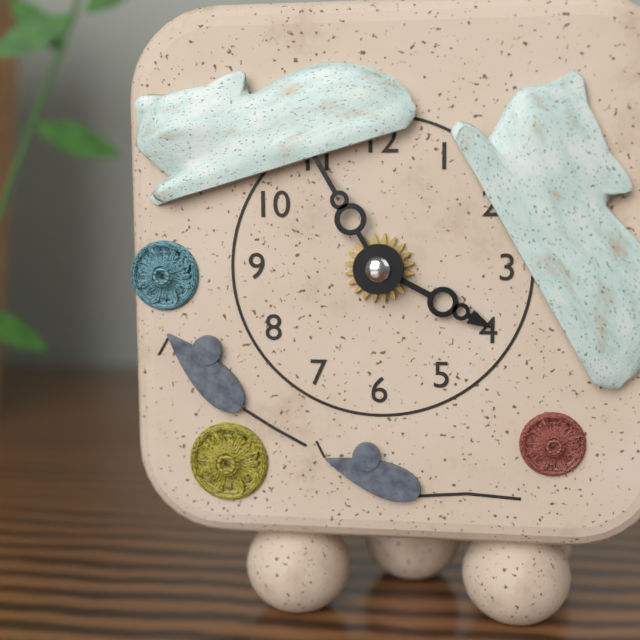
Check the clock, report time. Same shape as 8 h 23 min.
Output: 3 h 55 min
